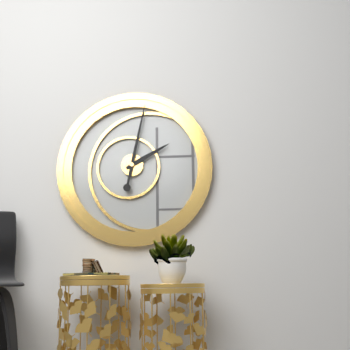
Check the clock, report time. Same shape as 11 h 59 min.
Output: 2 h 02 min
